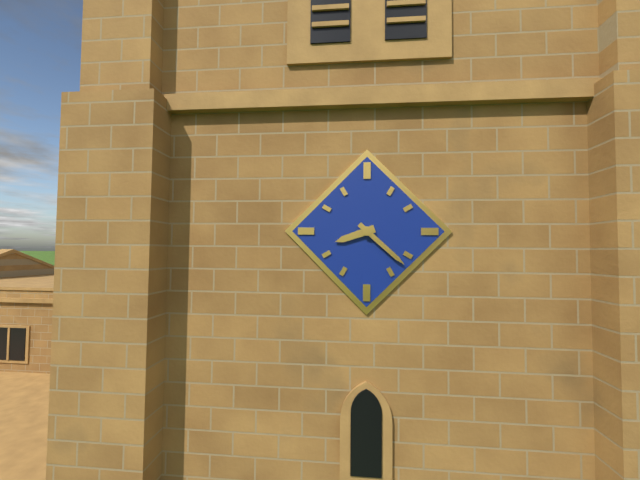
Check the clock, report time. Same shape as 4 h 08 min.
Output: 8 h 22 min
